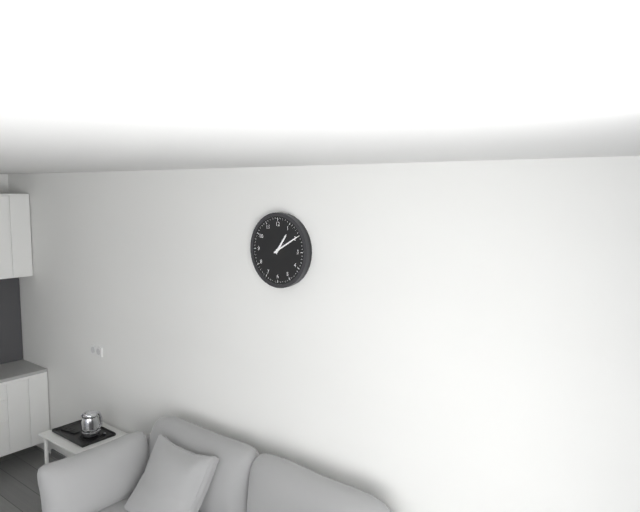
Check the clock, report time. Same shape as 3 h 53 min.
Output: 1 h 10 min
